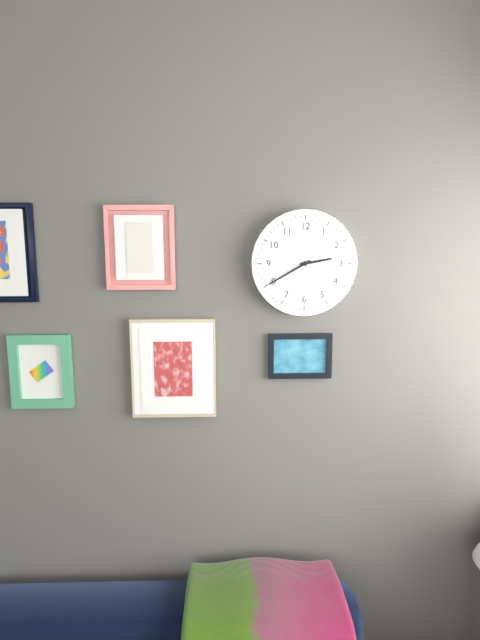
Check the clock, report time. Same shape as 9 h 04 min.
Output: 2 h 40 min
